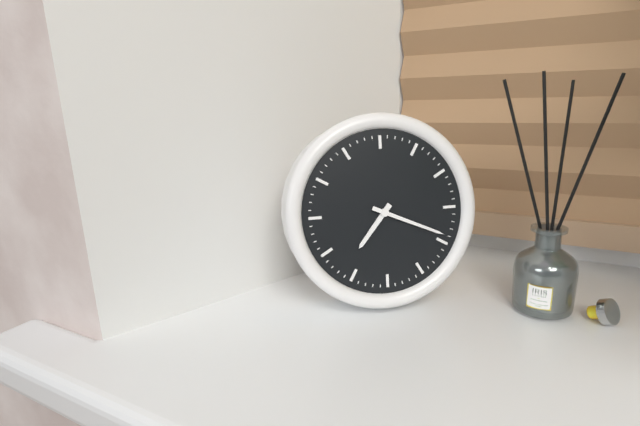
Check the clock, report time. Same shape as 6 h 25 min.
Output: 7 h 19 min
